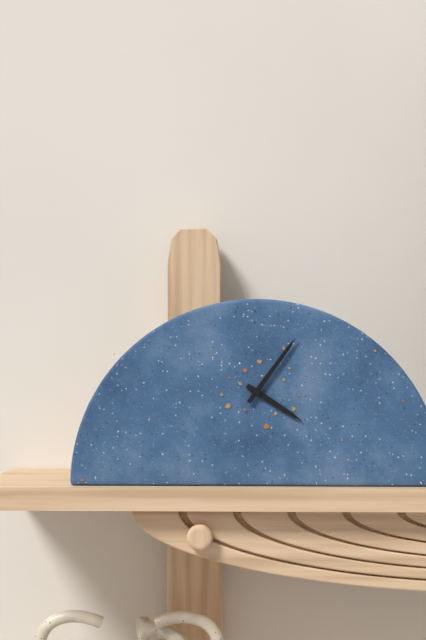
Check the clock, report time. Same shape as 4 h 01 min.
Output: 4 h 06 min
